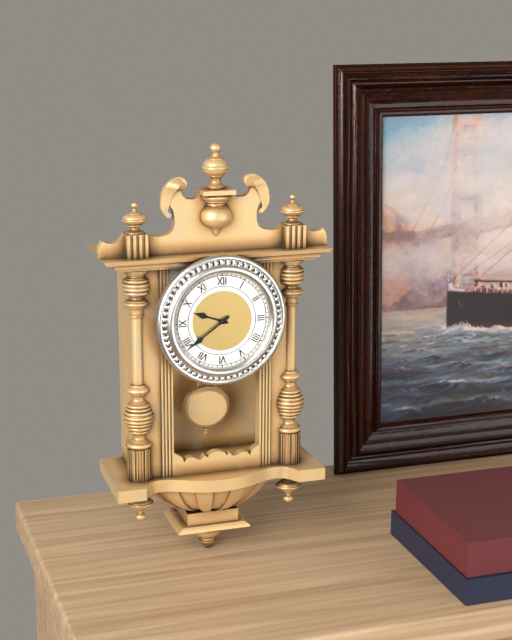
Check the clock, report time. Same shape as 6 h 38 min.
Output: 9 h 39 min
